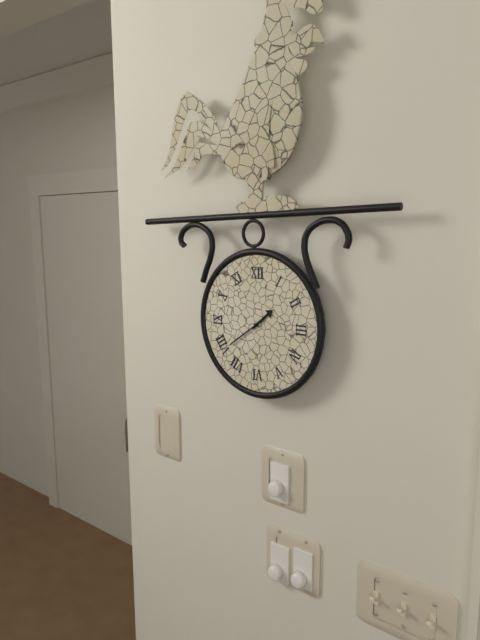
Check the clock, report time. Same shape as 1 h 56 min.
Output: 1 h 39 min
